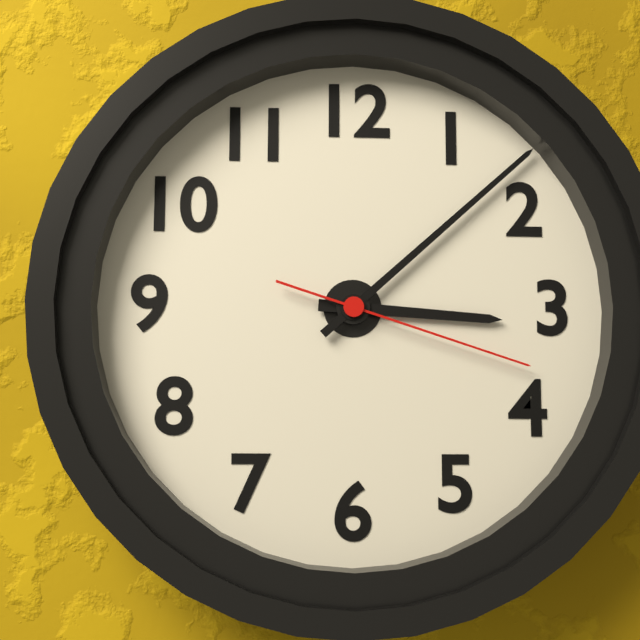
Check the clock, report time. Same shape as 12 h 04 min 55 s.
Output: 3 h 08 min 18 s
